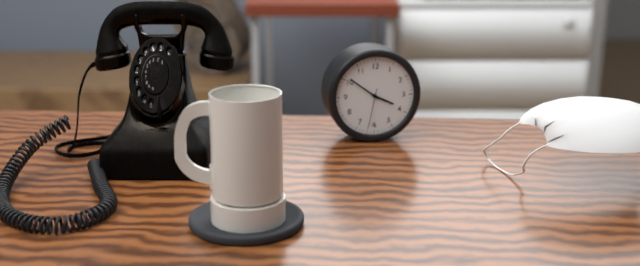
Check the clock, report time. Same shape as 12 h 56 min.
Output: 3 h 51 min
